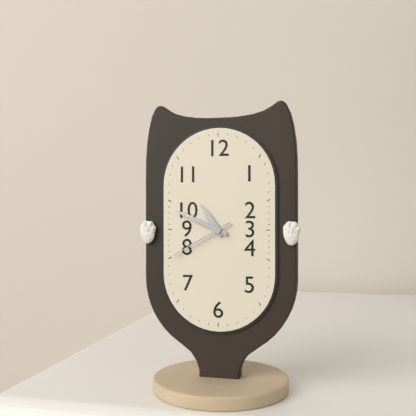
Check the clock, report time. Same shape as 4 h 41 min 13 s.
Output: 10 h 49 min 40 s
